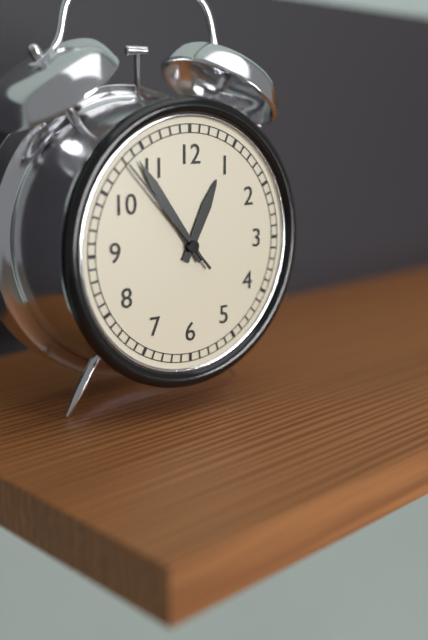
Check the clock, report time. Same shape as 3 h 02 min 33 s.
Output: 12 h 54 min 53 s
